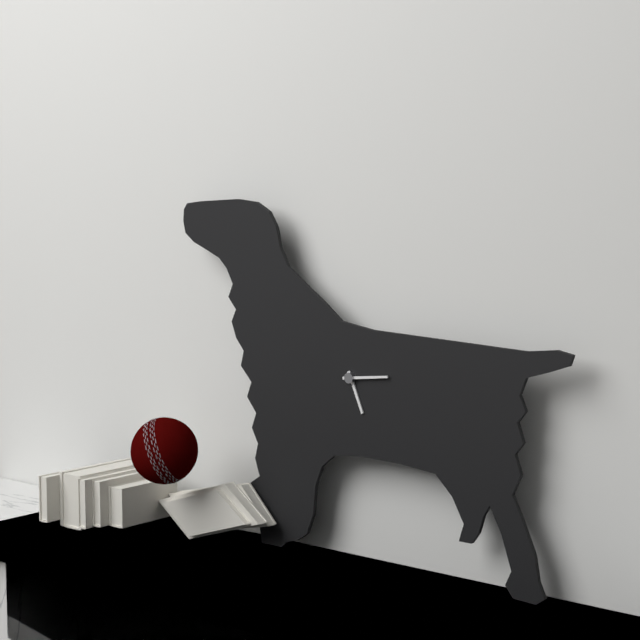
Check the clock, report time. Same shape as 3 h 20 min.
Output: 5 h 14 min
